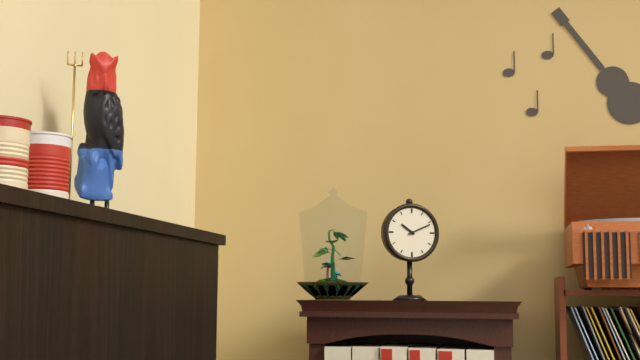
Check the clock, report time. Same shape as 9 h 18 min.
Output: 10 h 11 min
